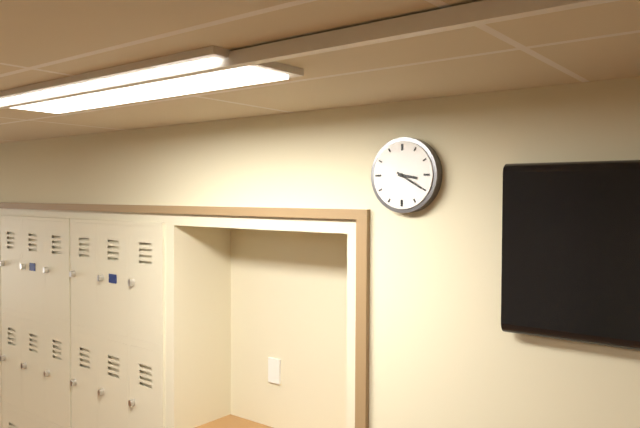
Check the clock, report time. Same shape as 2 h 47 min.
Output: 3 h 20 min
